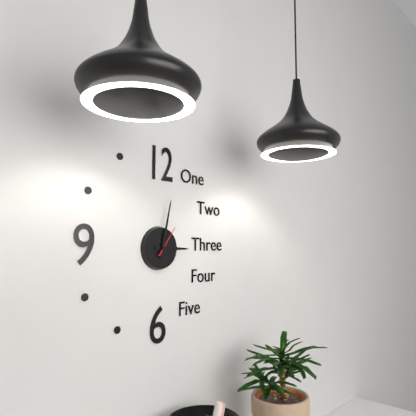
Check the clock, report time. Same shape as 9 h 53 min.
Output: 3 h 02 min
